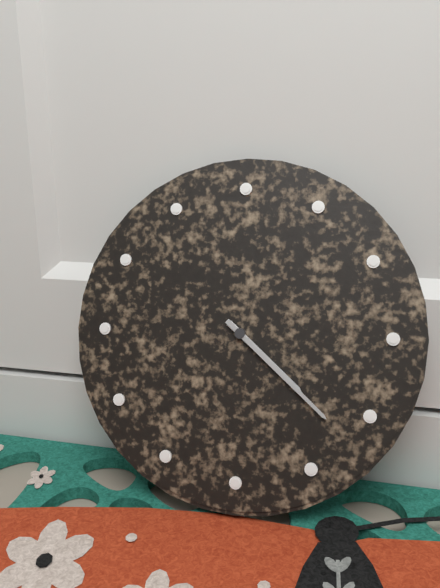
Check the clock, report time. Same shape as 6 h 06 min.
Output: 4 h 22 min
